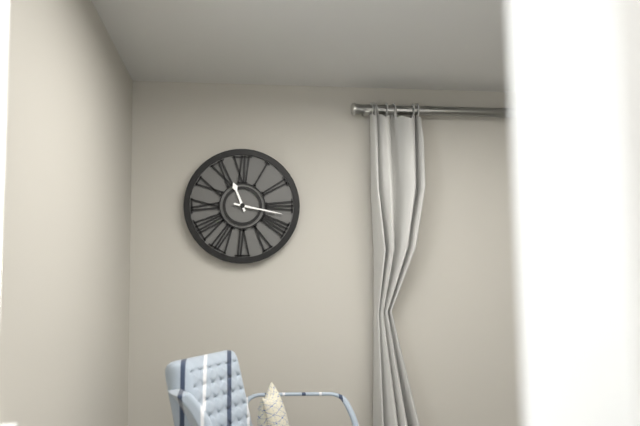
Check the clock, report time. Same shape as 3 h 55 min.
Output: 11 h 17 min
